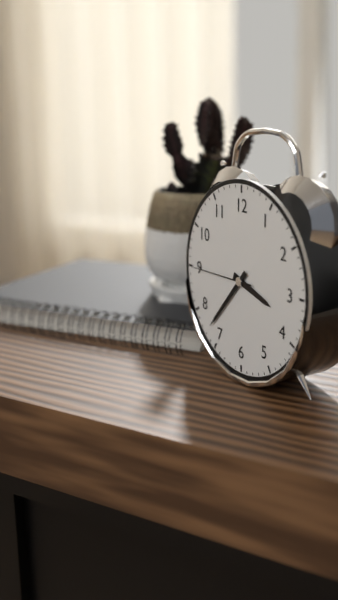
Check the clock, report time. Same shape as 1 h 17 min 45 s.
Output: 3 h 37 min 45 s
